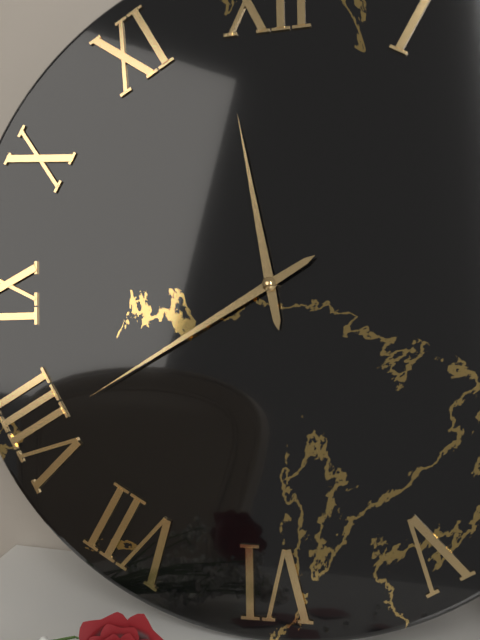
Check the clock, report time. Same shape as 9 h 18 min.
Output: 11 h 40 min
